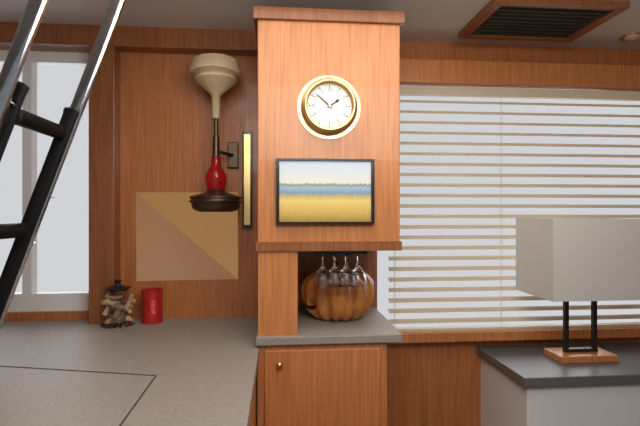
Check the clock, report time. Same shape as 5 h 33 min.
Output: 1 h 52 min
